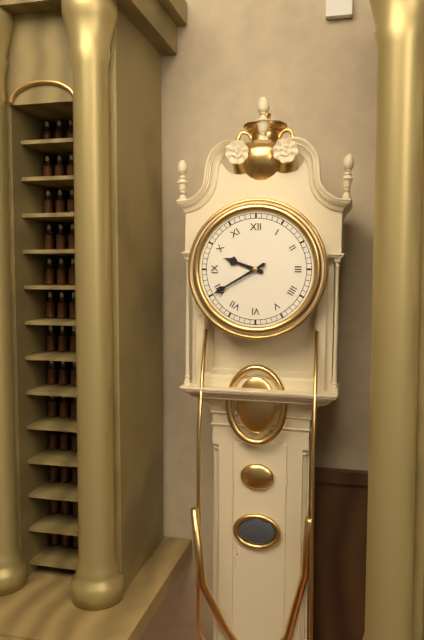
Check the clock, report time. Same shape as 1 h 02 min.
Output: 9 h 40 min
